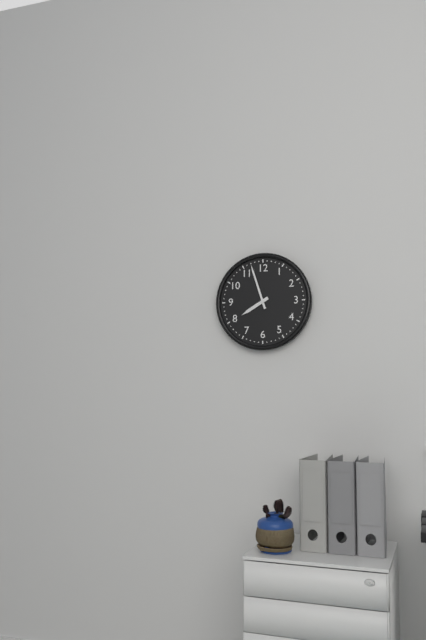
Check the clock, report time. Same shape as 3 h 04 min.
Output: 7 h 57 min
